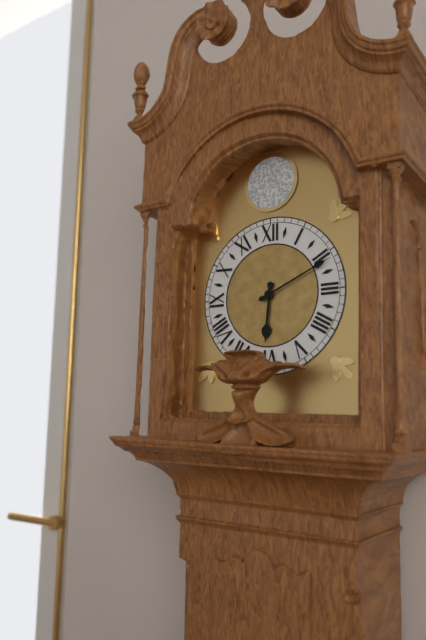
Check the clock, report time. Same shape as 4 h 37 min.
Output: 6 h 11 min
